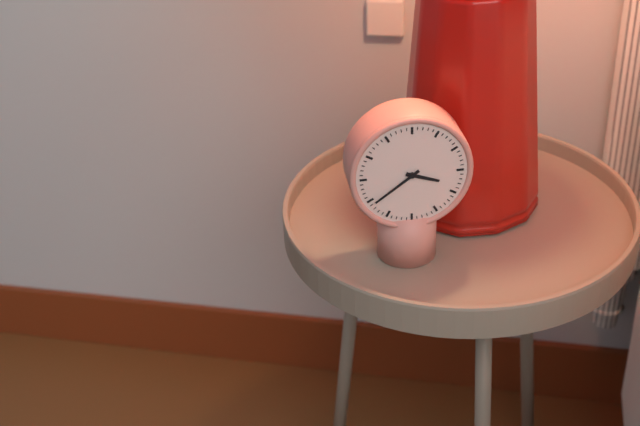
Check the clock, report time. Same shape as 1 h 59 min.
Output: 3 h 39 min
